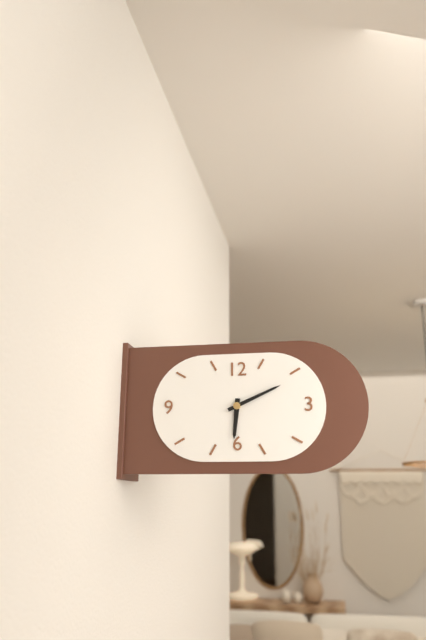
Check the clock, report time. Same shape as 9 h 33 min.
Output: 6 h 11 min
